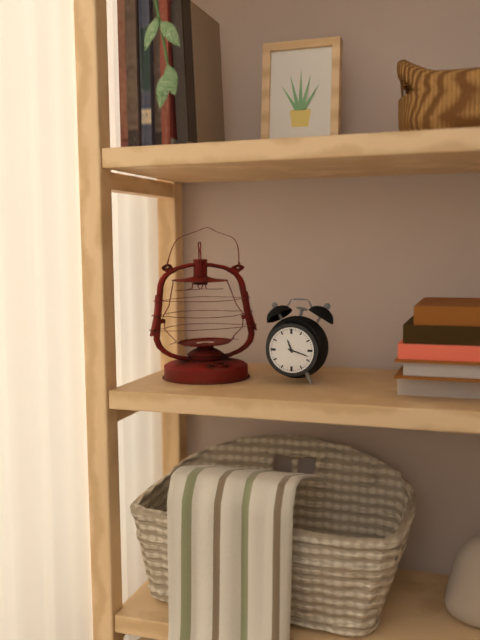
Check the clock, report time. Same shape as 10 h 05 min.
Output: 11 h 18 min
